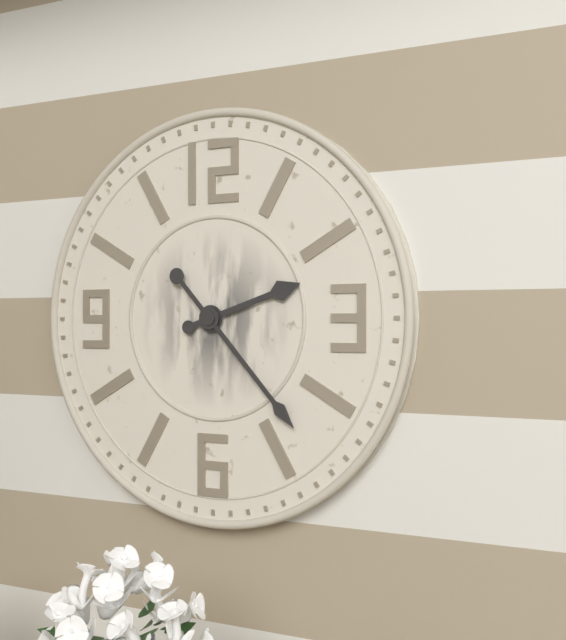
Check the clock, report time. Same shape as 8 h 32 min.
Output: 2 h 23 min
